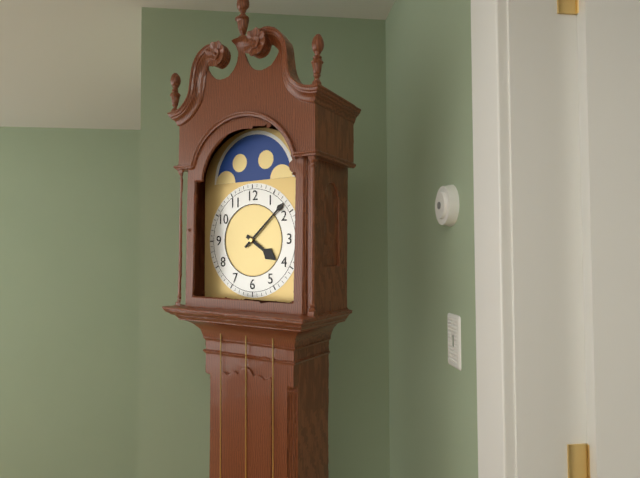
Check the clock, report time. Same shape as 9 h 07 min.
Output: 4 h 08 min
